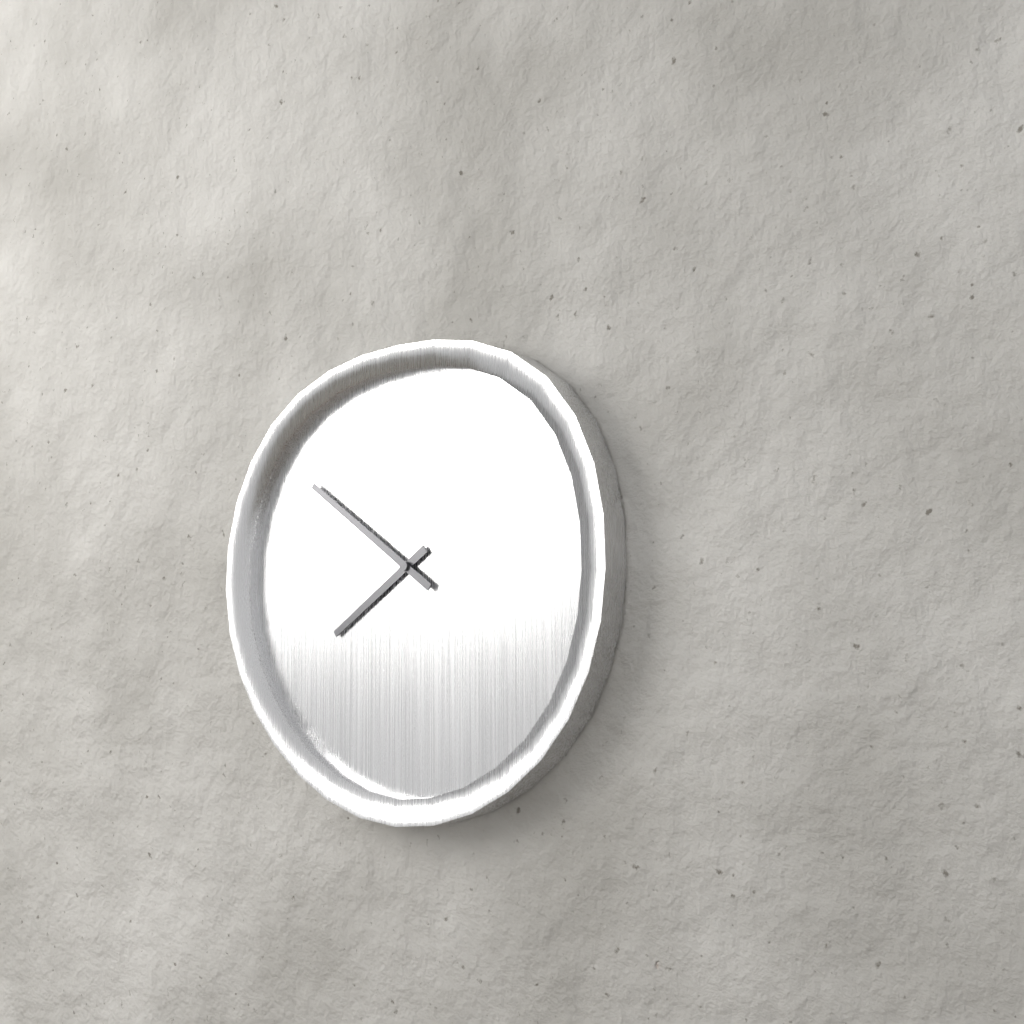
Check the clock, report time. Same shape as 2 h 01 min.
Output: 7 h 51 min
